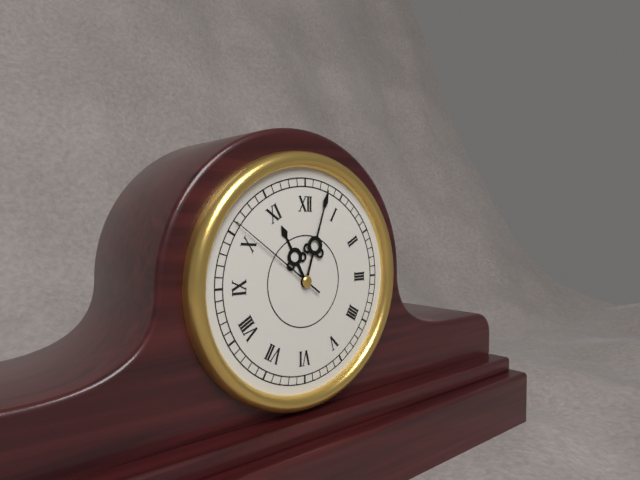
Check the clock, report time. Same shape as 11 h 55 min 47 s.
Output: 11 h 03 min 51 s
